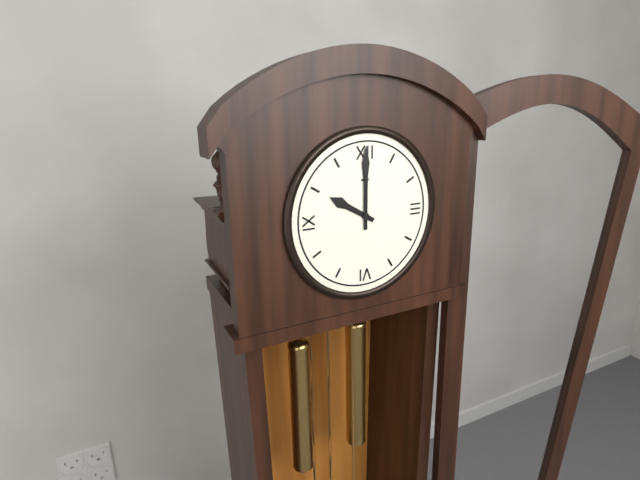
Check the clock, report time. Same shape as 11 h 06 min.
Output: 10 h 00 min
